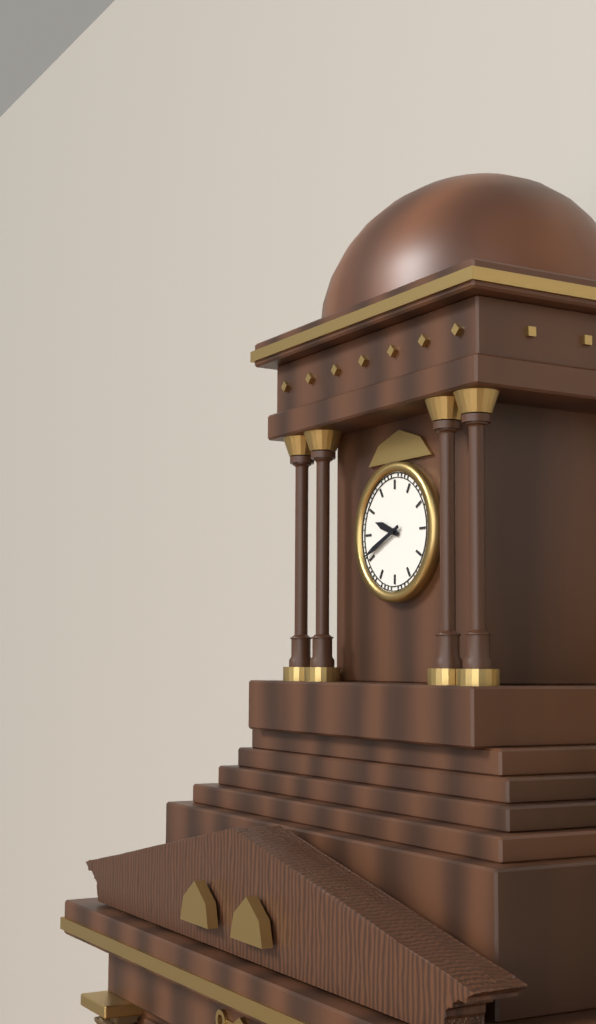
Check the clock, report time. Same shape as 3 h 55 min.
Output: 9 h 41 min
